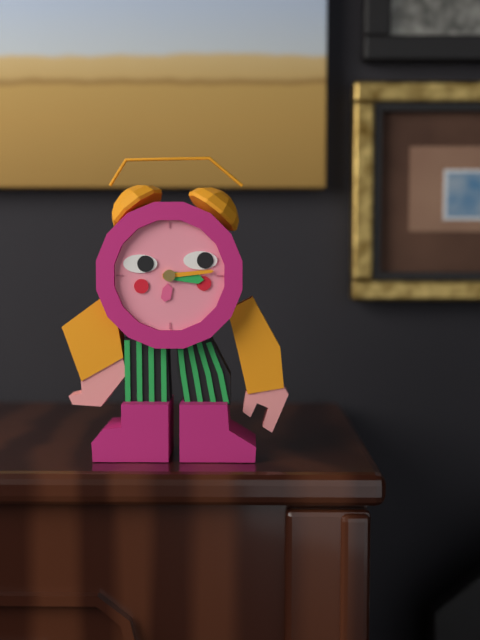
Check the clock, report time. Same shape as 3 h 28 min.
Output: 3 h 14 min
